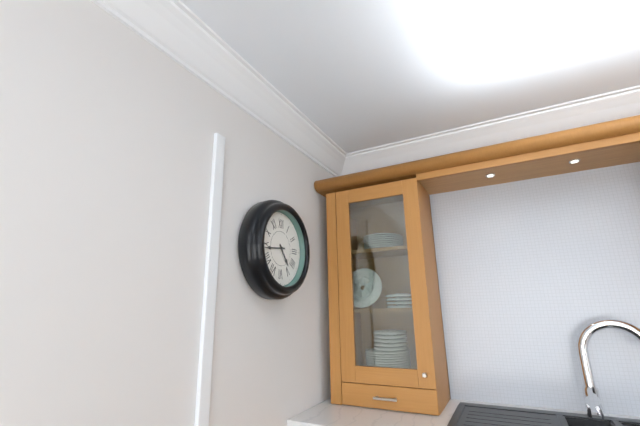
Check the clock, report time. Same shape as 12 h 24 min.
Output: 4 h 44 min
